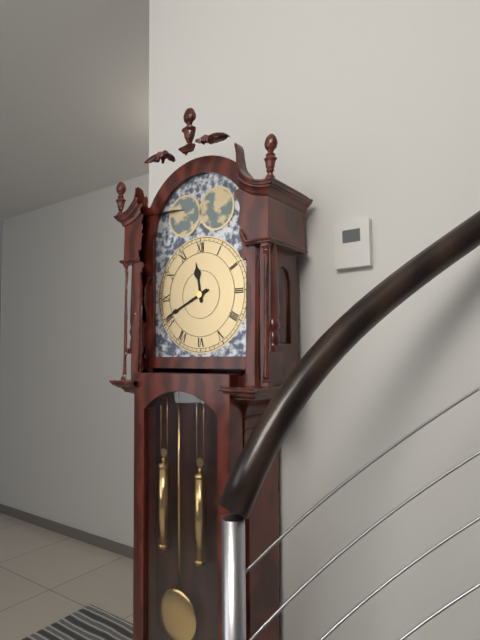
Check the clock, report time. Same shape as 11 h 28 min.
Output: 11 h 41 min
